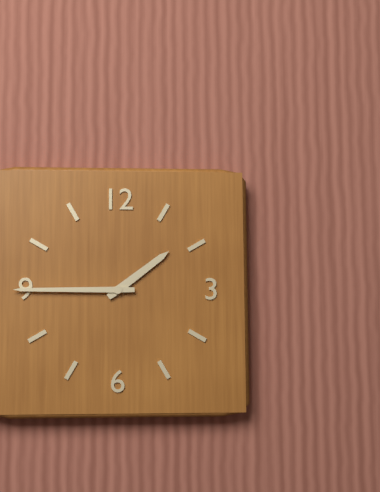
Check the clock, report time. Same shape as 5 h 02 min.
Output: 1 h 45 min
